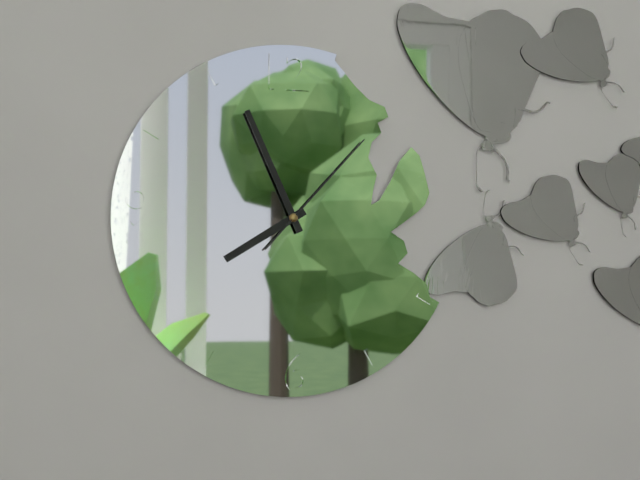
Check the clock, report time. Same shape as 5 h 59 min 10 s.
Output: 7 h 56 min 07 s
